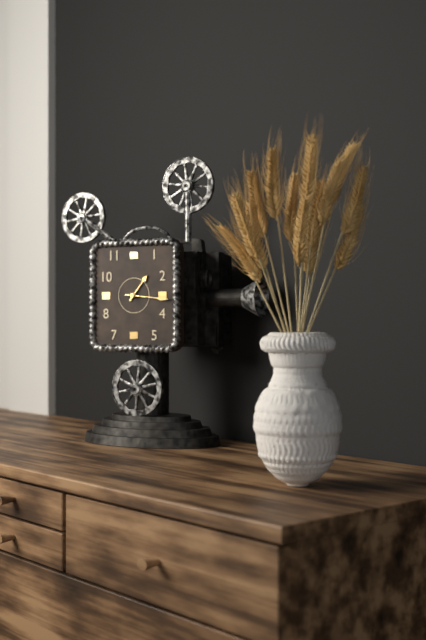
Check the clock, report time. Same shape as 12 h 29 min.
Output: 1 h 16 min
